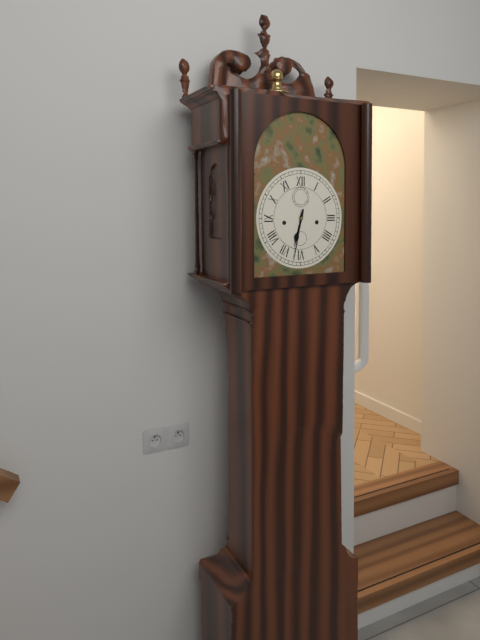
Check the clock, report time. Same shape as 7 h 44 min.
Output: 6 h 32 min
